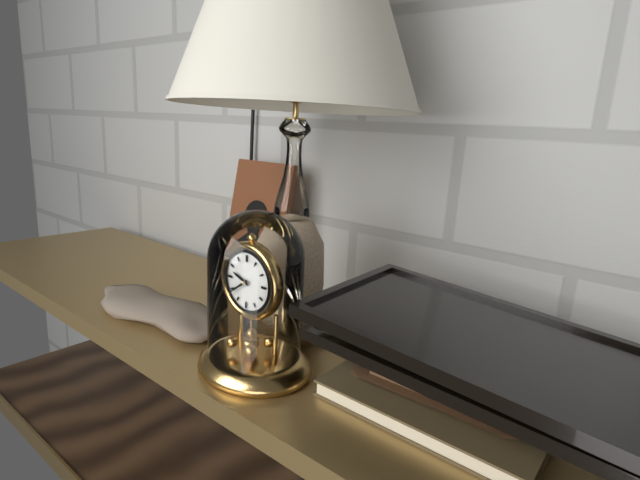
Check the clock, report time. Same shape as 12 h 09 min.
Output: 9 h 39 min
